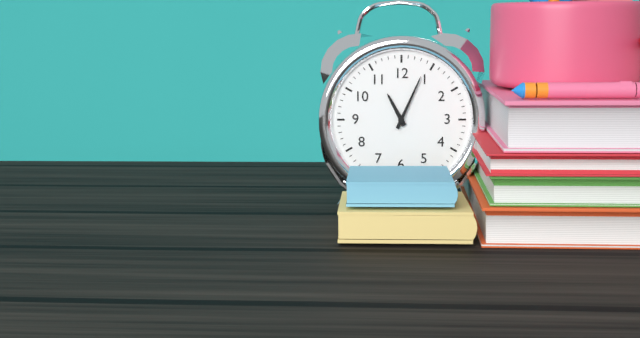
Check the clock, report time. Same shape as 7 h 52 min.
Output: 11 h 04 min
